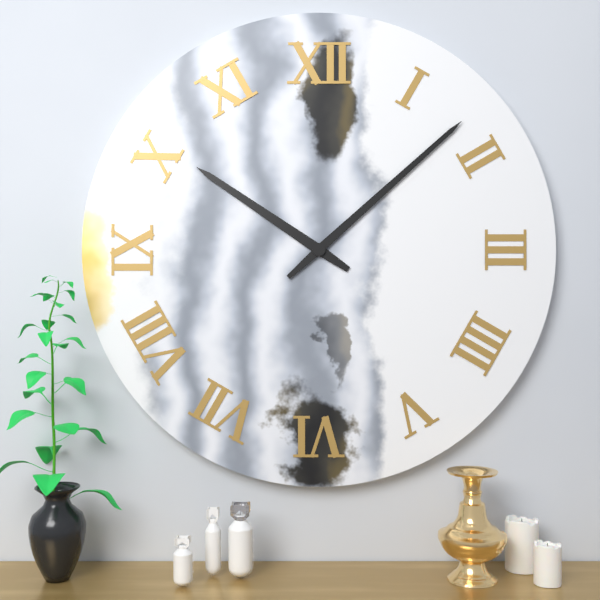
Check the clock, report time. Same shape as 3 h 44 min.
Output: 10 h 08 min
